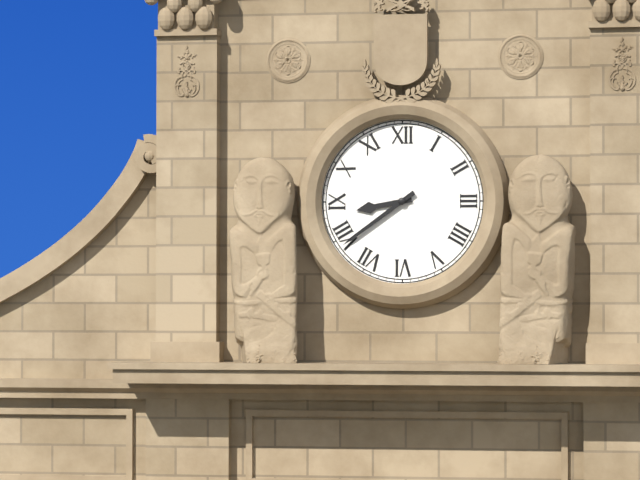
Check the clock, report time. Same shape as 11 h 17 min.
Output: 8 h 39 min
